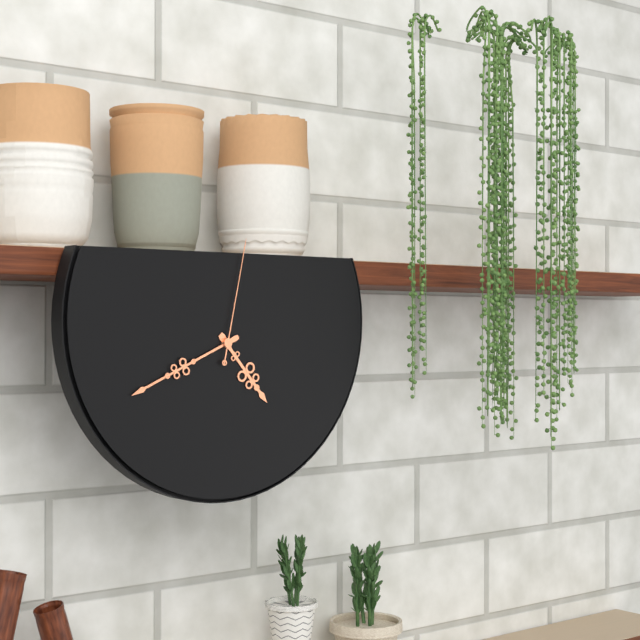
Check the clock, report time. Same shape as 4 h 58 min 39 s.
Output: 4 h 41 min 02 s
